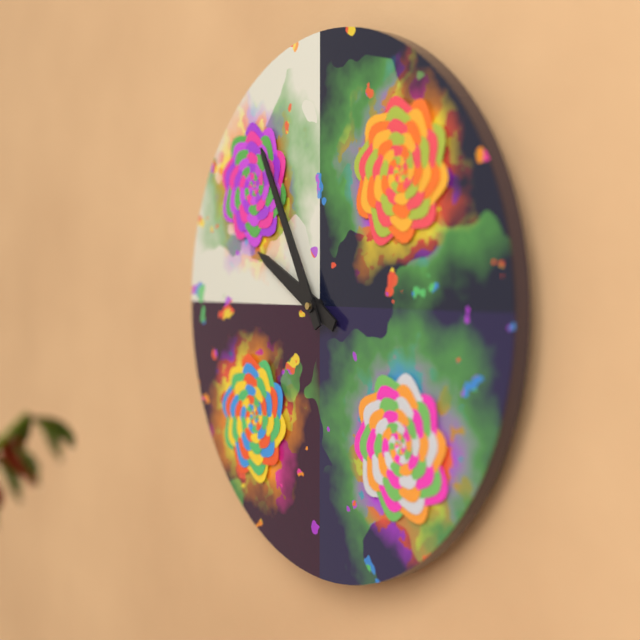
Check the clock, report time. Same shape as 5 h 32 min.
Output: 9 h 55 min
